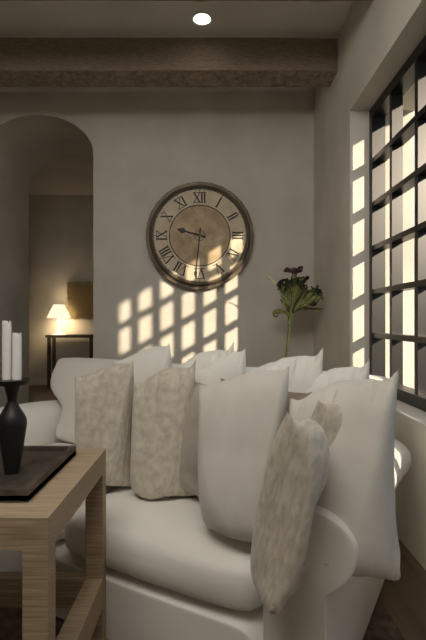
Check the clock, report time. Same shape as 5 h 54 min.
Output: 9 h 31 min
